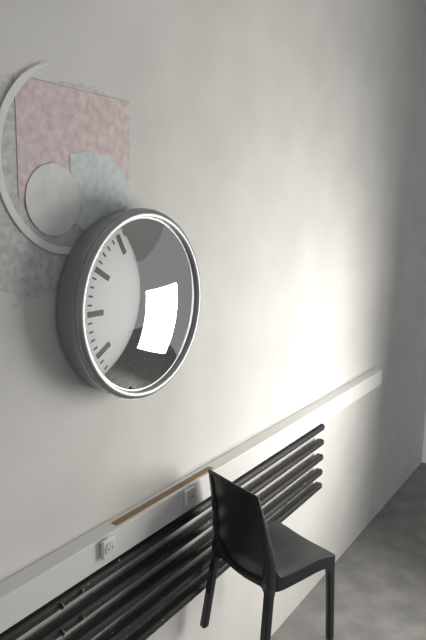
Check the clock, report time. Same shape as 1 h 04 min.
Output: 6 h 34 min
